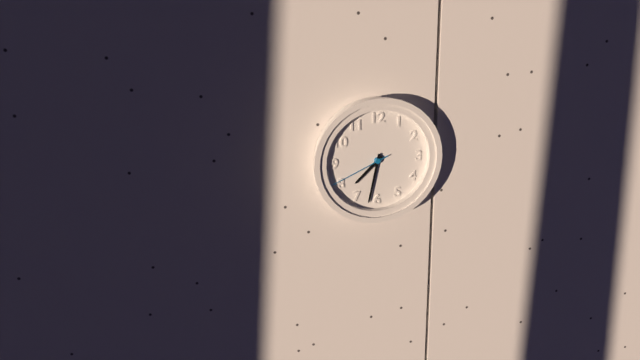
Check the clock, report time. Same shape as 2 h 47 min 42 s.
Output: 7 h 32 min 41 s
